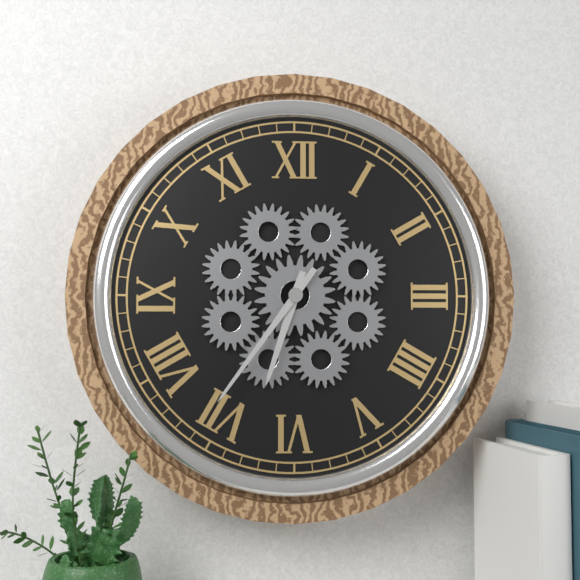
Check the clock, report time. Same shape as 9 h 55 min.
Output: 6 h 36 min
